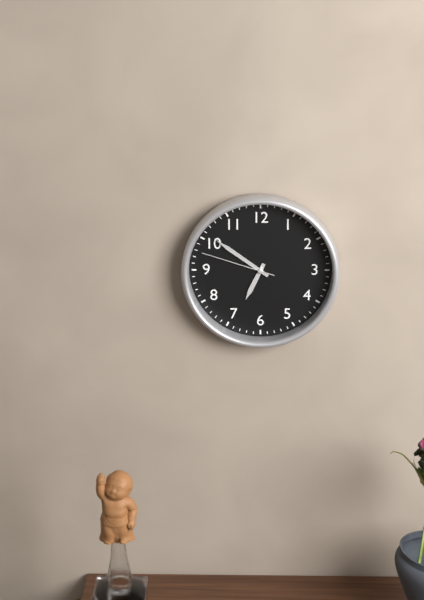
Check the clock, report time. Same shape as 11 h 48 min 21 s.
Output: 6 h 51 min 48 s
